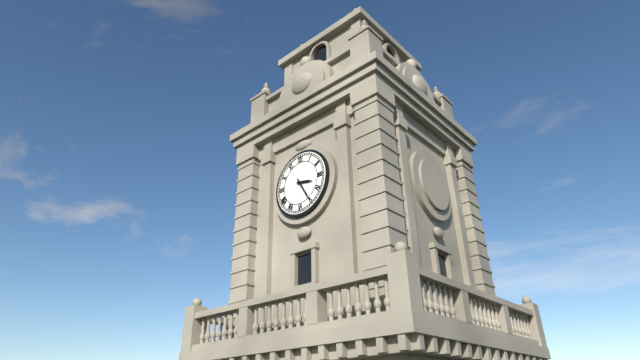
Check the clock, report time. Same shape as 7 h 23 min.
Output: 3 h 25 min
